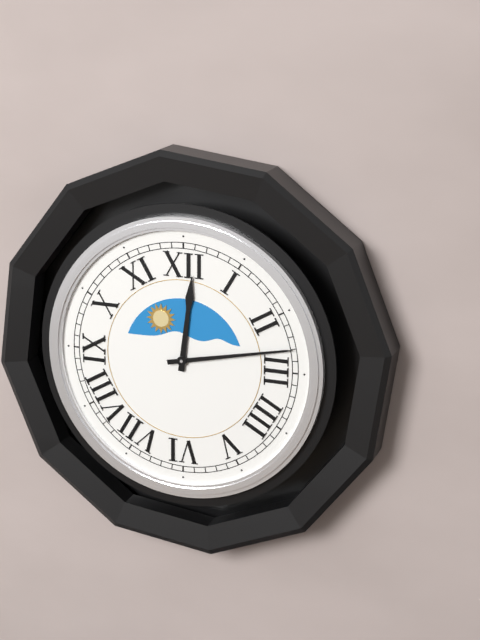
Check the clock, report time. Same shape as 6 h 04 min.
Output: 12 h 13 min
